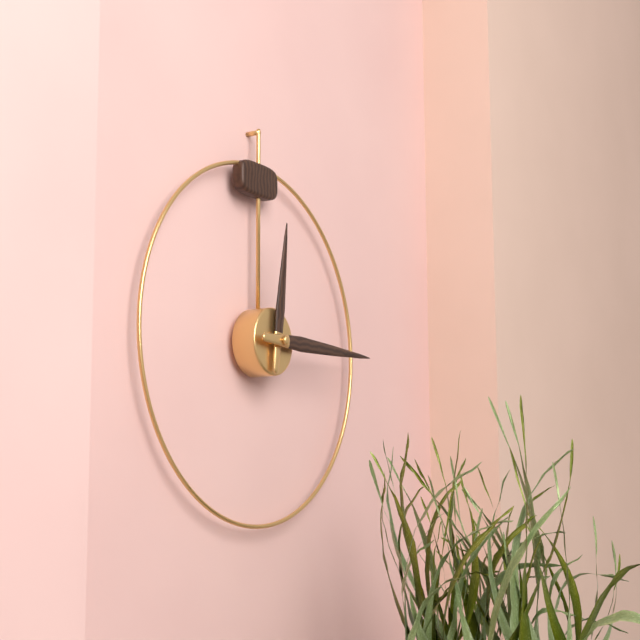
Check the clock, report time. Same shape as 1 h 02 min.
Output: 12 h 15 min
